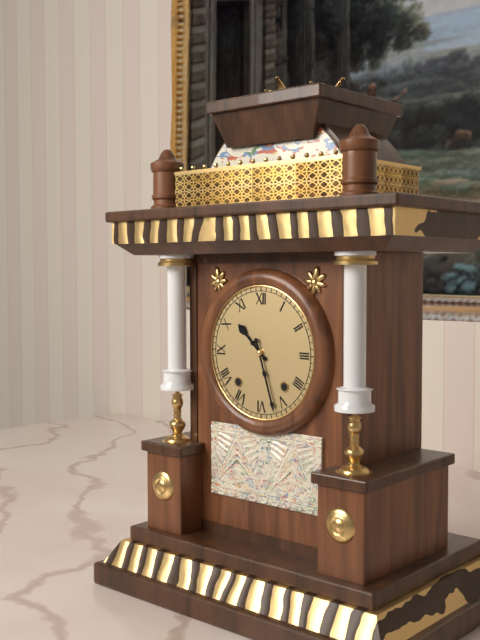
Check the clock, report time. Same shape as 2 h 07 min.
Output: 10 h 27 min
